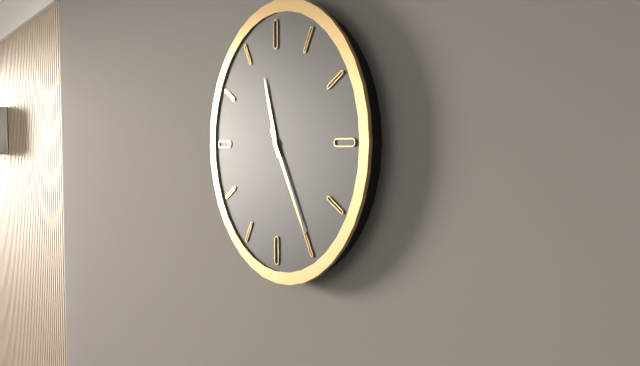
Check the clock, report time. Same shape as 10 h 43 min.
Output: 11 h 25 min
